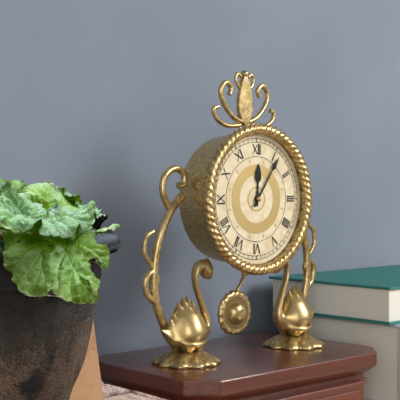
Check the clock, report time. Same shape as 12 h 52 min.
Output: 12 h 06 min
